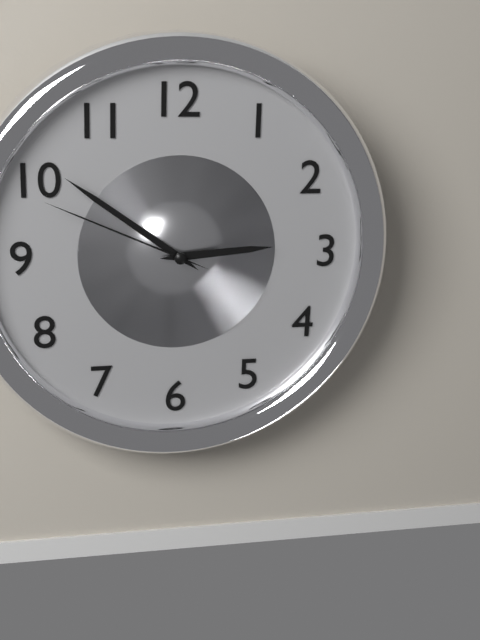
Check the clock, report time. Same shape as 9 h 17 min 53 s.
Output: 2 h 51 min 49 s
